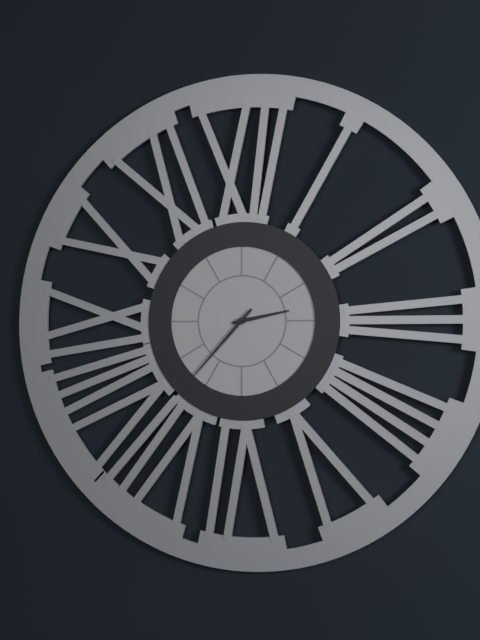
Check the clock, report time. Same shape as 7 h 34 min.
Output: 2 h 37 min
